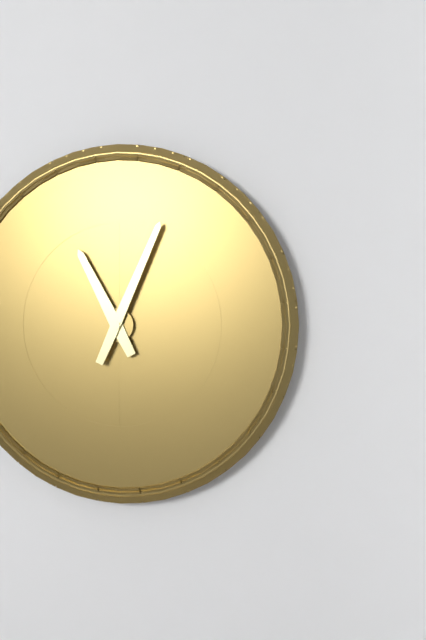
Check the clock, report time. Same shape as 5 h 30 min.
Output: 11 h 04 min
